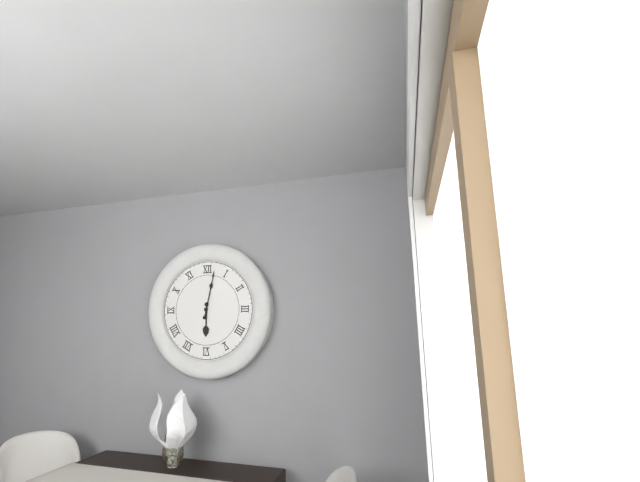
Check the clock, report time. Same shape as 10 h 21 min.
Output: 6 h 02 min
